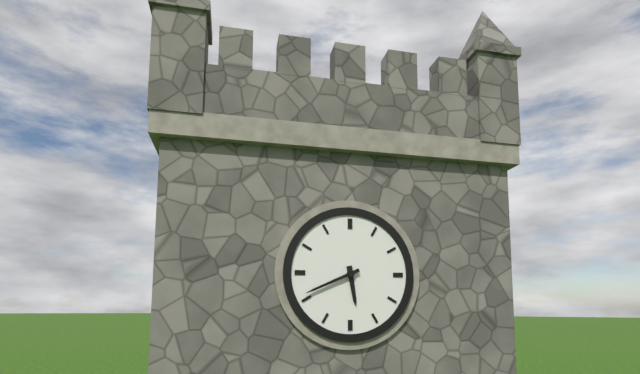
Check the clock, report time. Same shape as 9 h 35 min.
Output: 5 h 41 min
